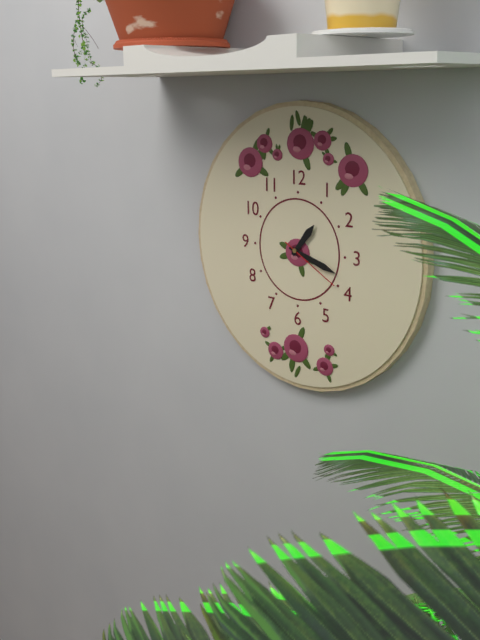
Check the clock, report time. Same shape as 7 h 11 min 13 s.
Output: 1 h 18 min 20 s
